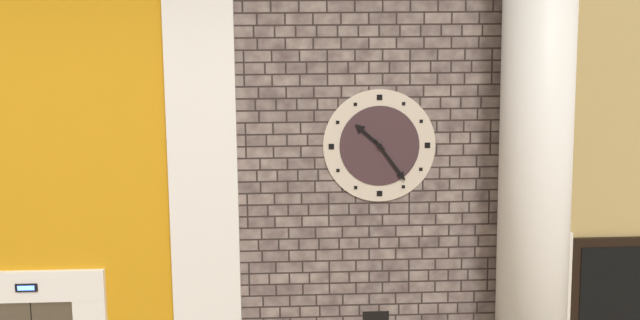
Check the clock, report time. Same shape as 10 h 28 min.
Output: 10 h 24 min
